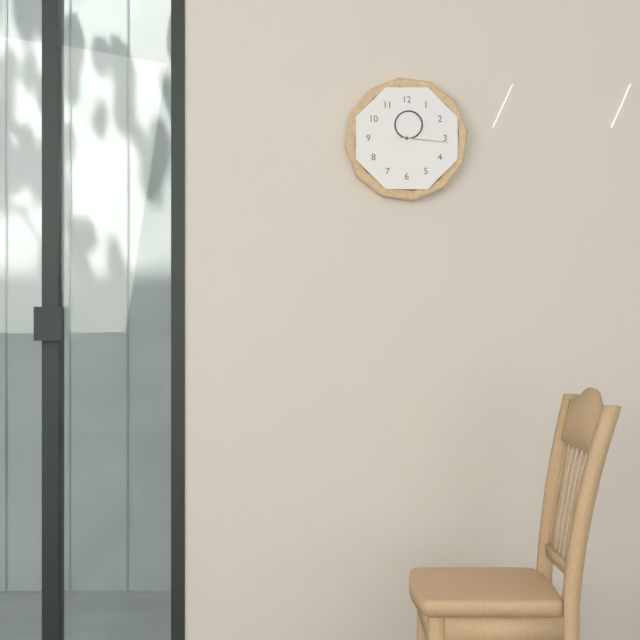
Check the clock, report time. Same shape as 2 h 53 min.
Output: 12 h 16 min
